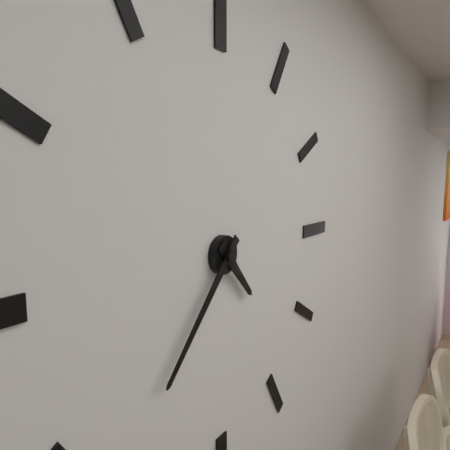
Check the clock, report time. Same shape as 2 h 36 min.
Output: 4 h 37 min
